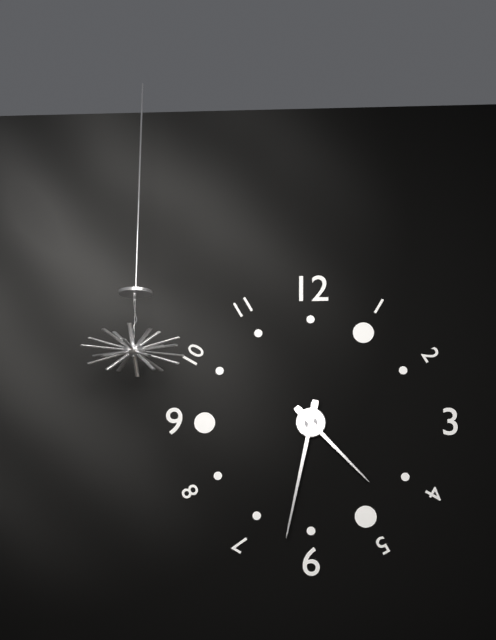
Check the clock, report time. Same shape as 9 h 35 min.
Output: 4 h 32 min
